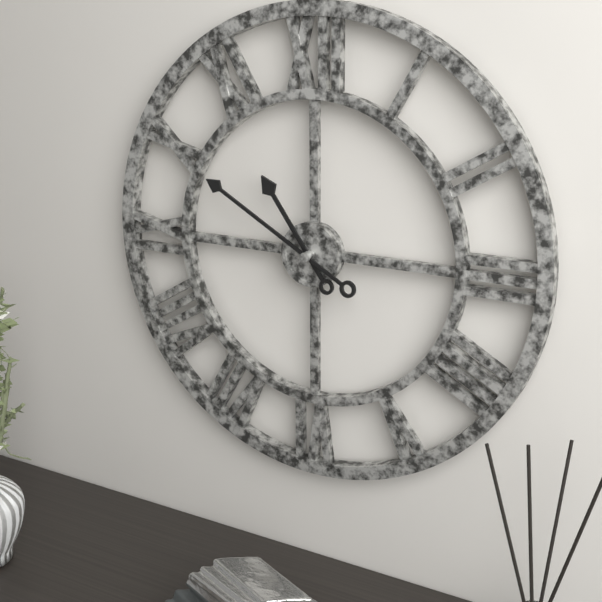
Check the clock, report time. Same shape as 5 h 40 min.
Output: 10 h 50 min
